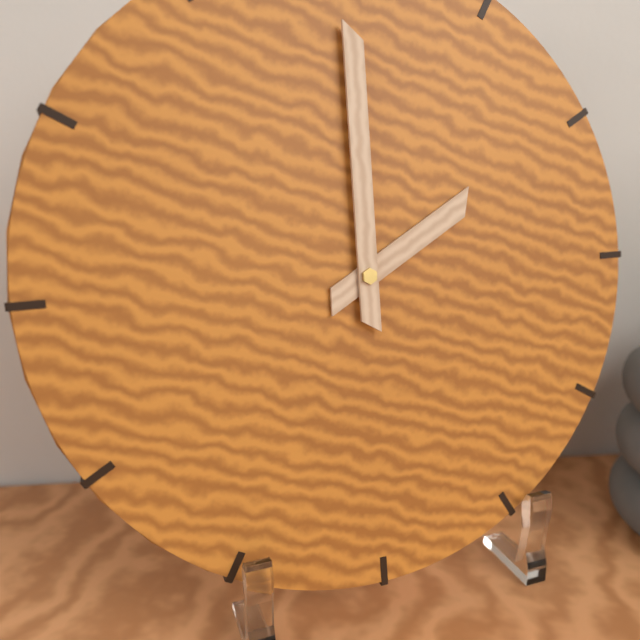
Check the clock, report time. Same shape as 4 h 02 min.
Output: 2 h 00 min
